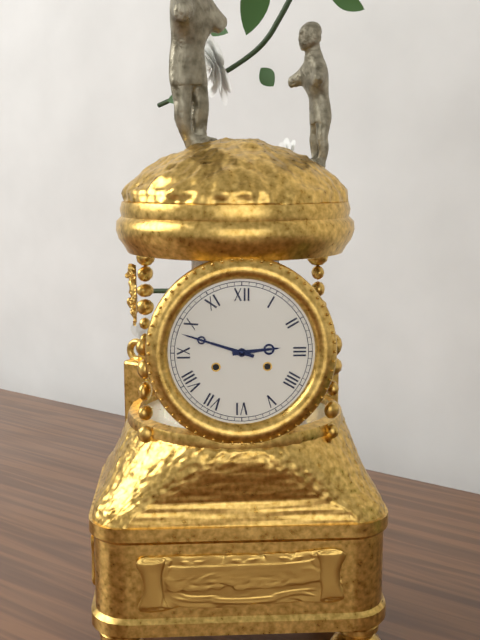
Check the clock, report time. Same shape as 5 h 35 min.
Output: 2 h 48 min
